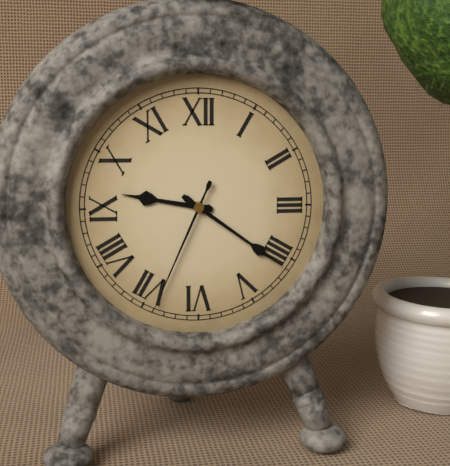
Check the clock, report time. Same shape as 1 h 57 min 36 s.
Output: 9 h 21 min 34 s
